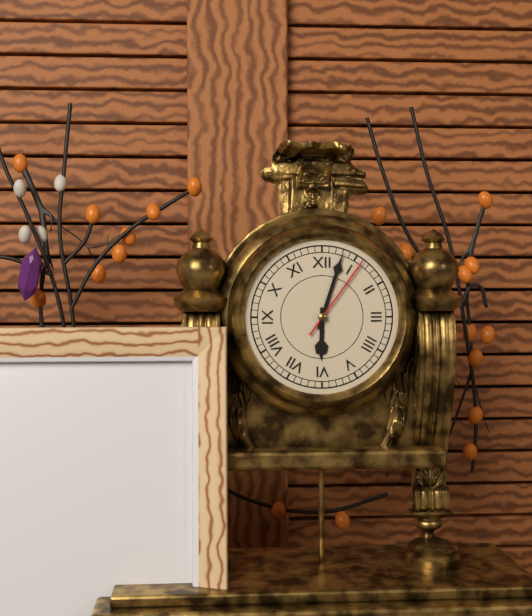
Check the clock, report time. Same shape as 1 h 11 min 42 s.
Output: 6 h 03 min 06 s
